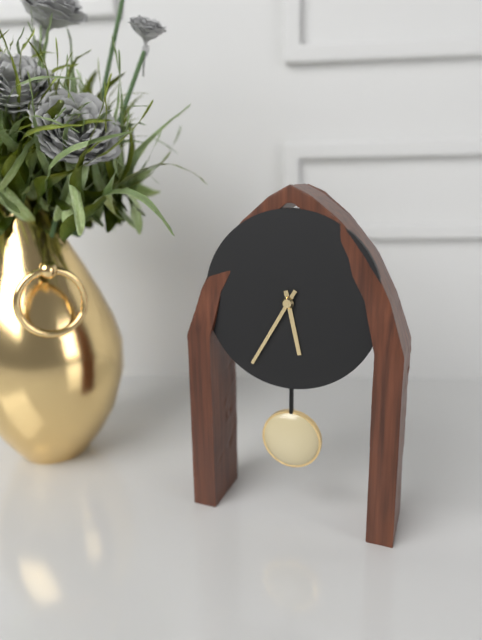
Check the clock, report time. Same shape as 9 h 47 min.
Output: 5 h 35 min
